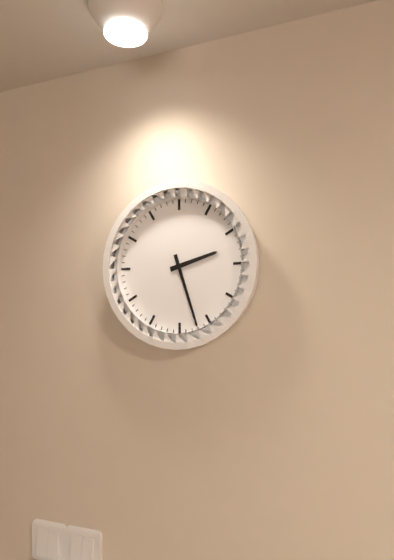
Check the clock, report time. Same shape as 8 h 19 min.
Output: 2 h 27 min
